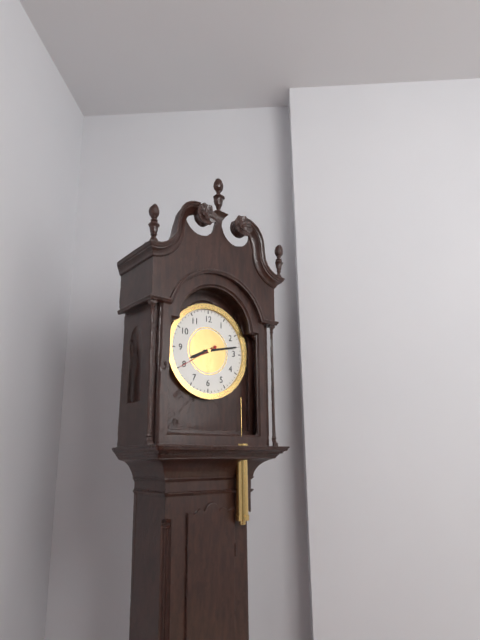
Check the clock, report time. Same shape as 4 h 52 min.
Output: 8 h 13 min
